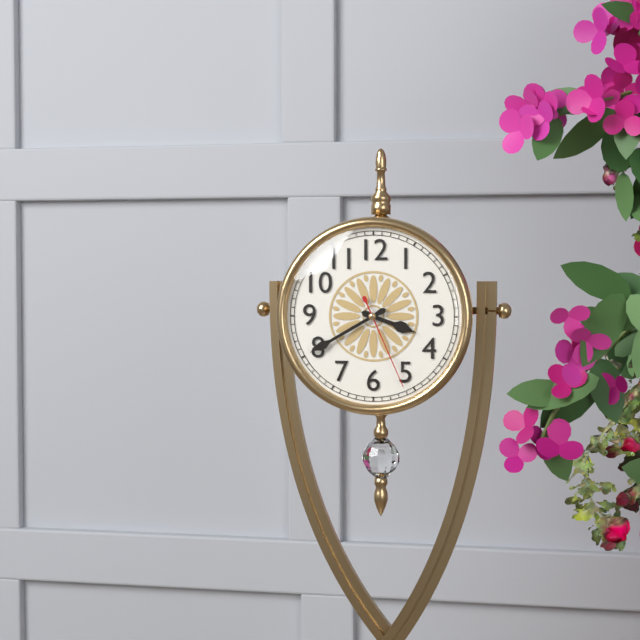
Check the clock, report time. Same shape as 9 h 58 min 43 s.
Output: 3 h 40 min 26 s
